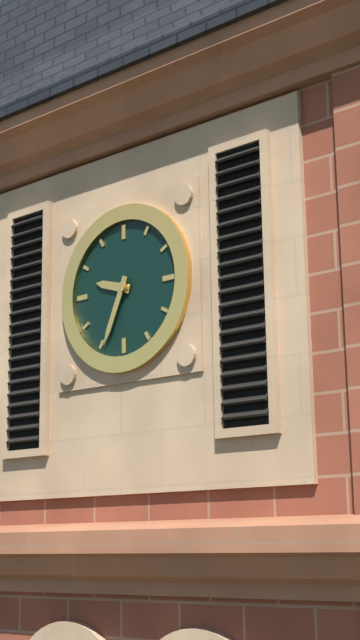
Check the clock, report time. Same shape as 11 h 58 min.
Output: 9 h 34 min
